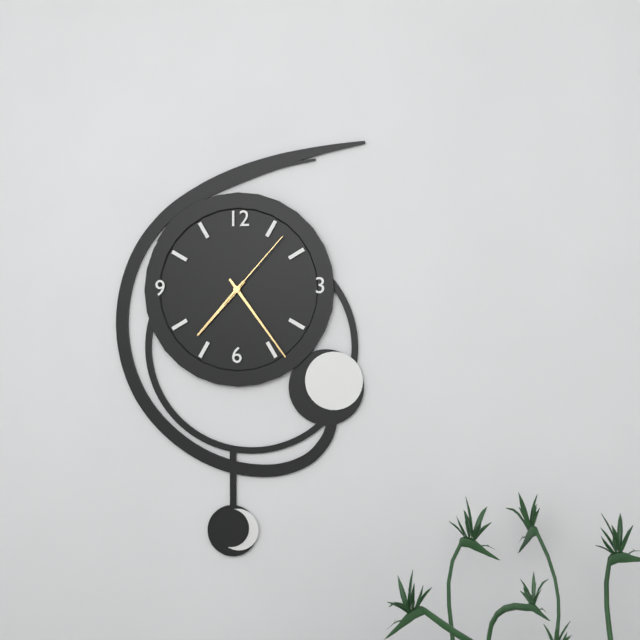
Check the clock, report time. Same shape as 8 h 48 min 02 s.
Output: 7 h 24 min 07 s
